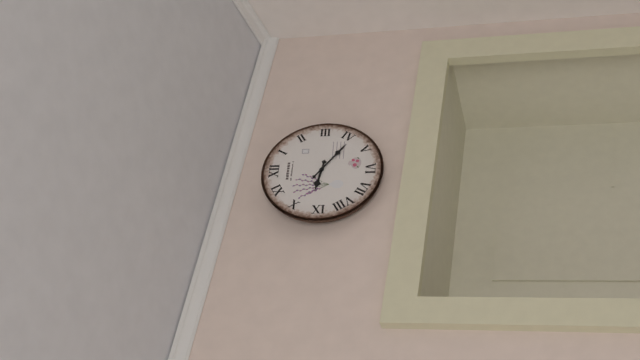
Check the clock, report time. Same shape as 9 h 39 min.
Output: 9 h 21 min
